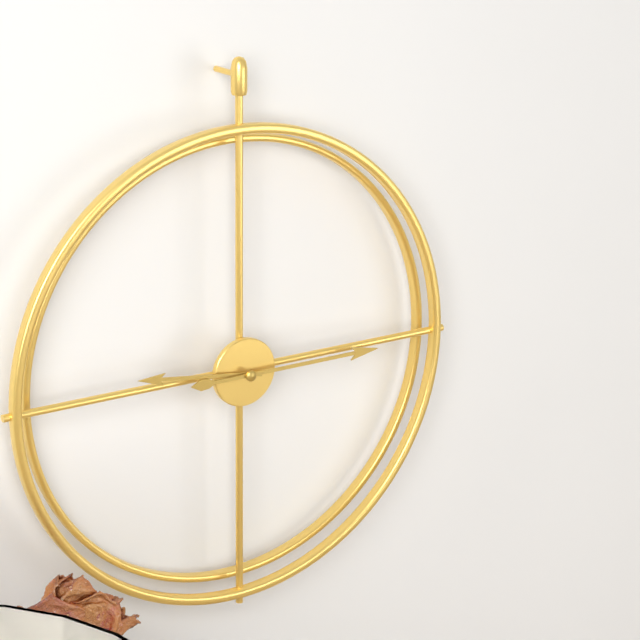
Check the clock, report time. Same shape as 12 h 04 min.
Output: 9 h 15 min
